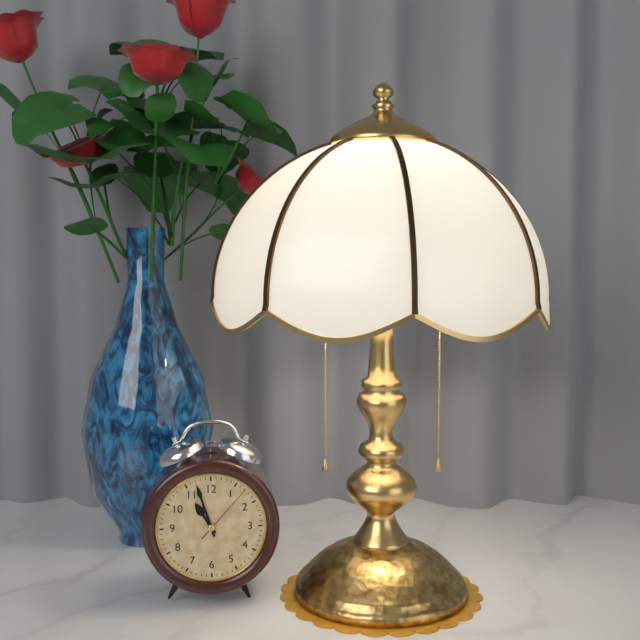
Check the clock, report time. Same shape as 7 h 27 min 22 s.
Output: 10 h 57 min 07 s
